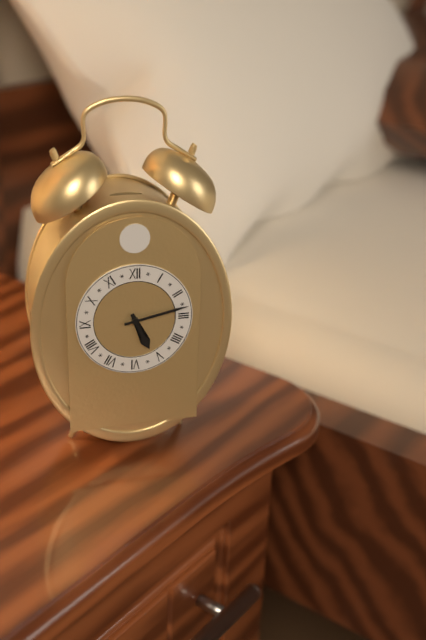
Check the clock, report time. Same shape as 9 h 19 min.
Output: 5 h 13 min
